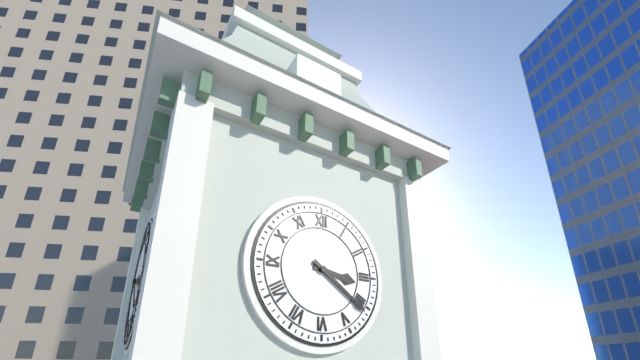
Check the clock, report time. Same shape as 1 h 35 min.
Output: 3 h 21 min
